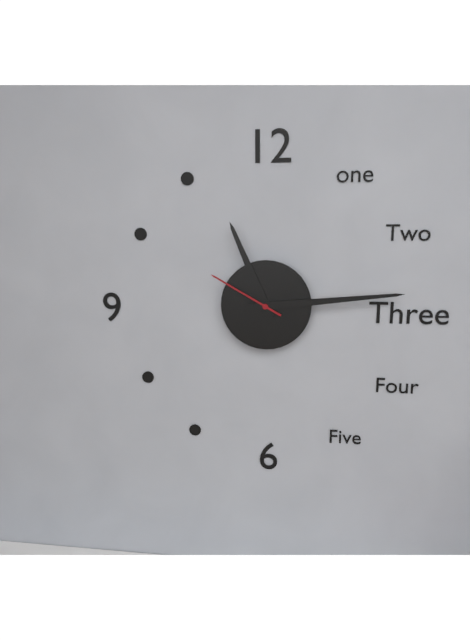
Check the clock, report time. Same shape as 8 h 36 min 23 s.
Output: 11 h 14 min 50 s
